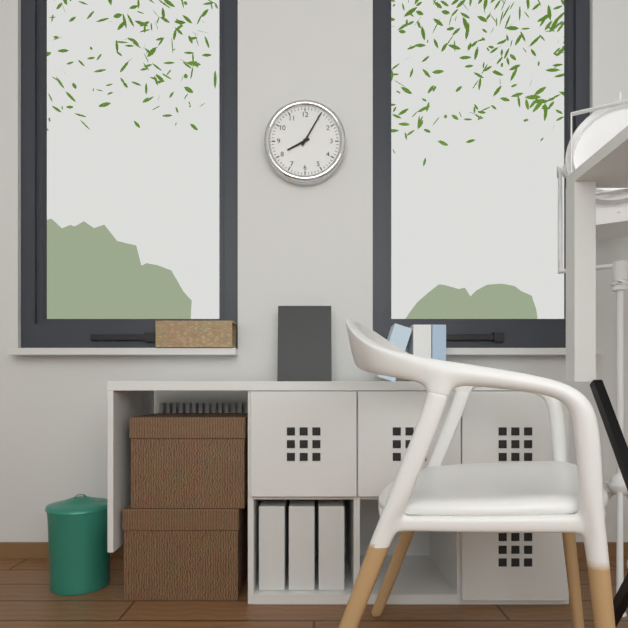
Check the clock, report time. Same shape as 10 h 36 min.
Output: 8 h 05 min
